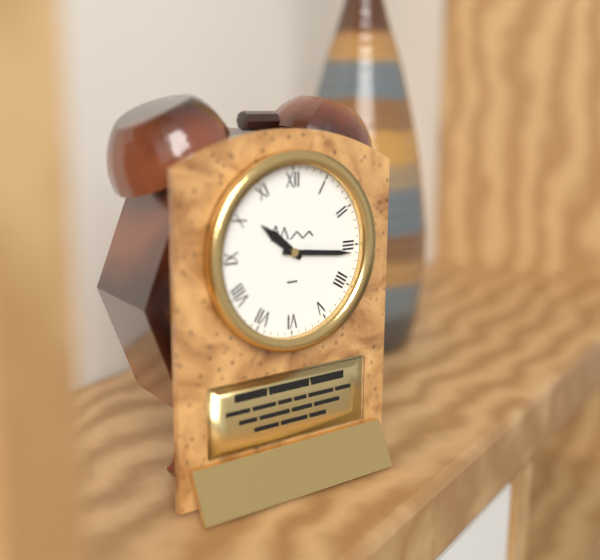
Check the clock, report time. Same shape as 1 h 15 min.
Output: 10 h 16 min
